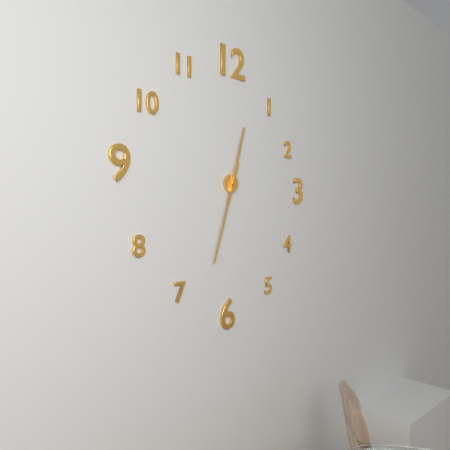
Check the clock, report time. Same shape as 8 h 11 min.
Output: 12 h 33 min
